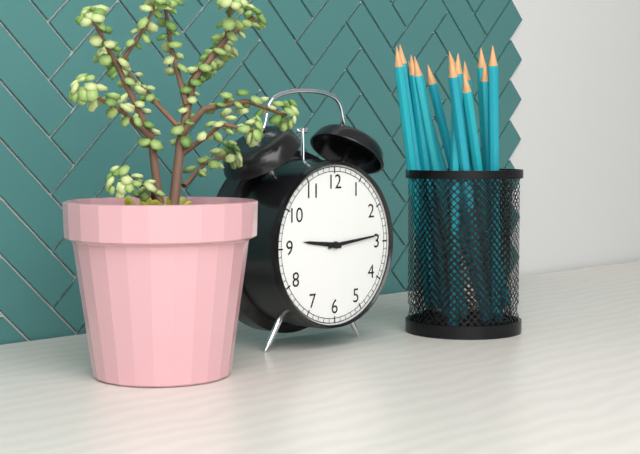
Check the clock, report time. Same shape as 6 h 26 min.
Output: 9 h 14 min
